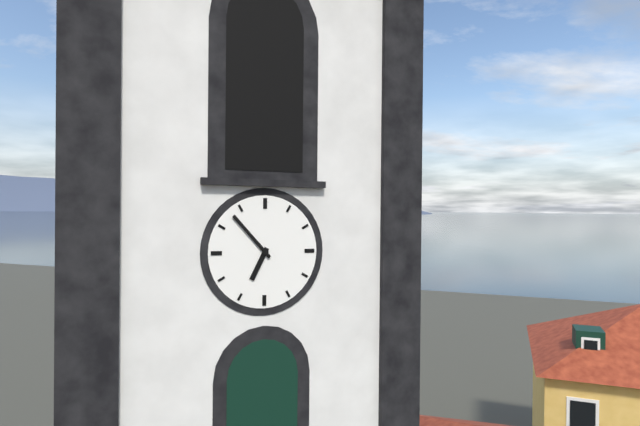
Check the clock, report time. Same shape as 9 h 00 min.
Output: 6 h 53 min
